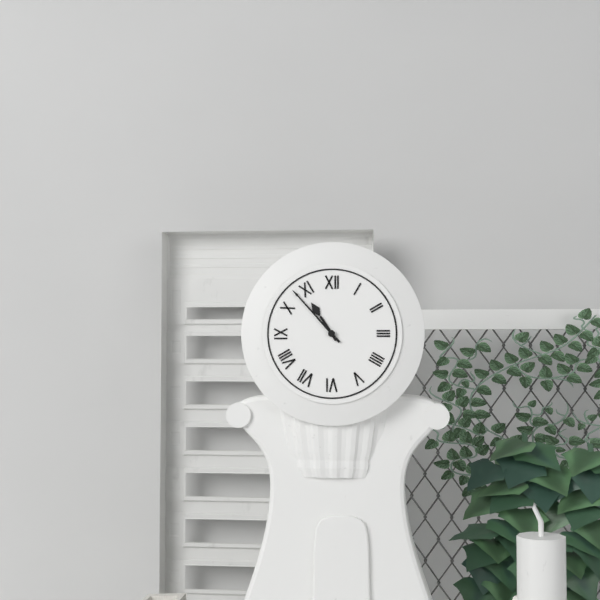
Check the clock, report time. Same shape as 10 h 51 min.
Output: 10 h 53 min
